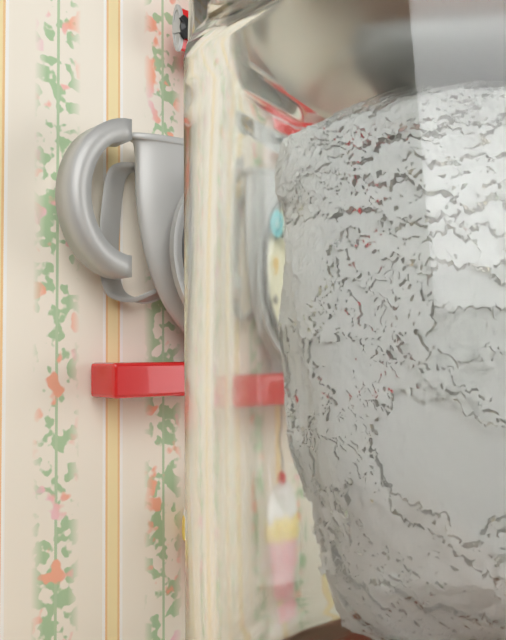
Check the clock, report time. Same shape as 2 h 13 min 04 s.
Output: 1 h 51 min 02 s
